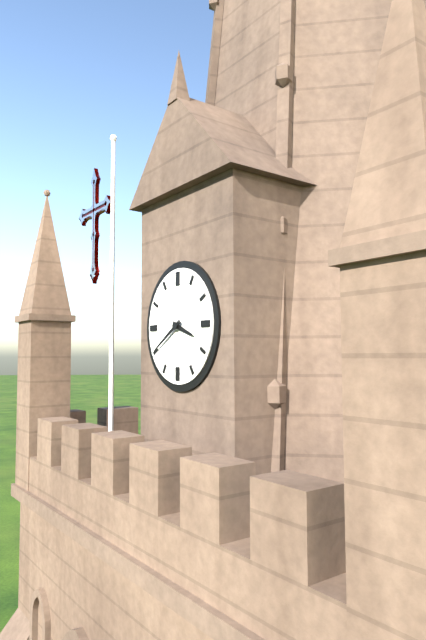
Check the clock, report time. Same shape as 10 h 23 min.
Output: 3 h 40 min
